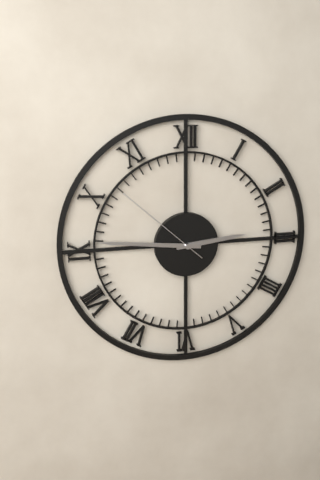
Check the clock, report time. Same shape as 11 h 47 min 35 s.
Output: 2 h 46 min 52 s
